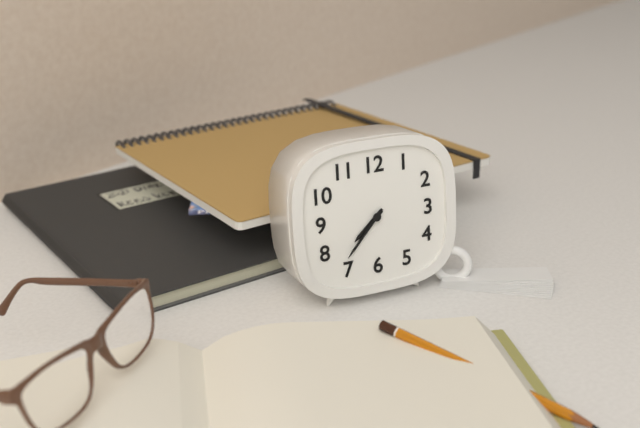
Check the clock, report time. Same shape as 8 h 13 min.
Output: 7 h 37 min
